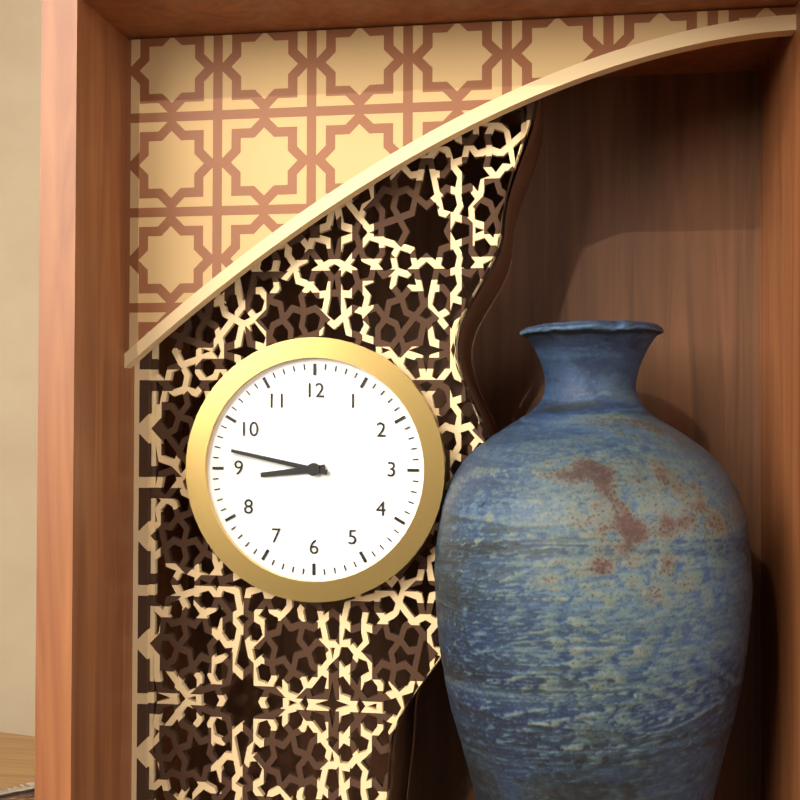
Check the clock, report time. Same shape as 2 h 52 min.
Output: 8 h 47 min
